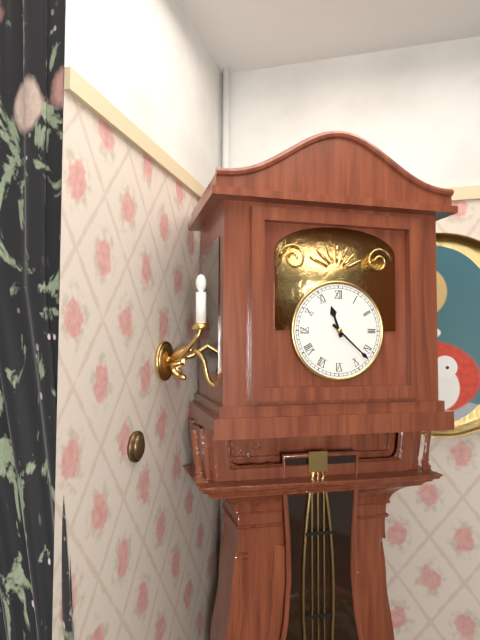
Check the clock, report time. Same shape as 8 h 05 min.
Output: 11 h 22 min
